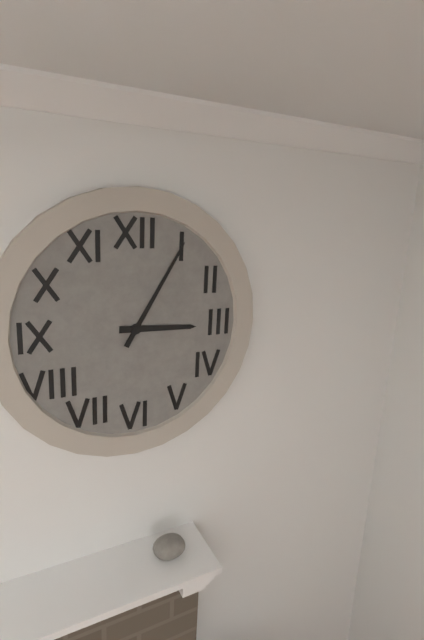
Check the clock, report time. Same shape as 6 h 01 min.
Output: 3 h 05 min
